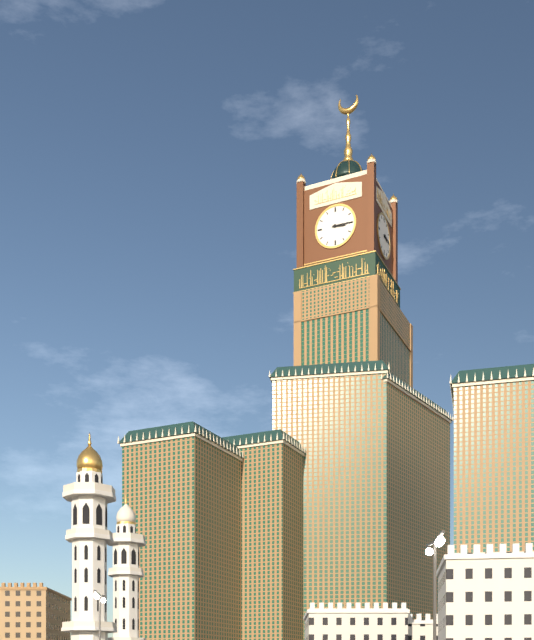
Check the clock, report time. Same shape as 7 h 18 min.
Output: 3 h 15 min
